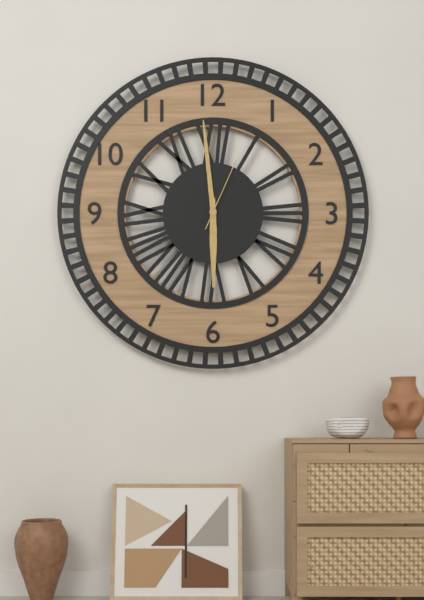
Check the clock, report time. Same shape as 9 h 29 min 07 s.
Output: 5 h 59 min 04 s
